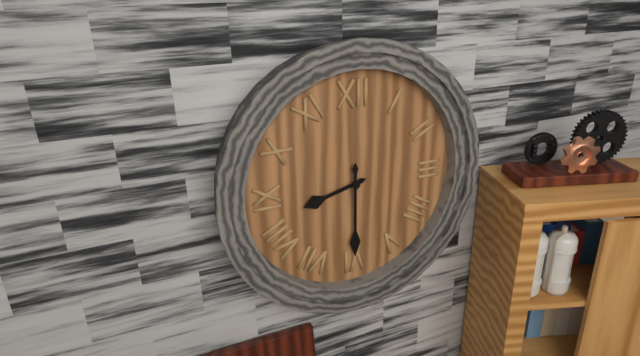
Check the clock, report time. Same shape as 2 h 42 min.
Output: 8 h 30 min
